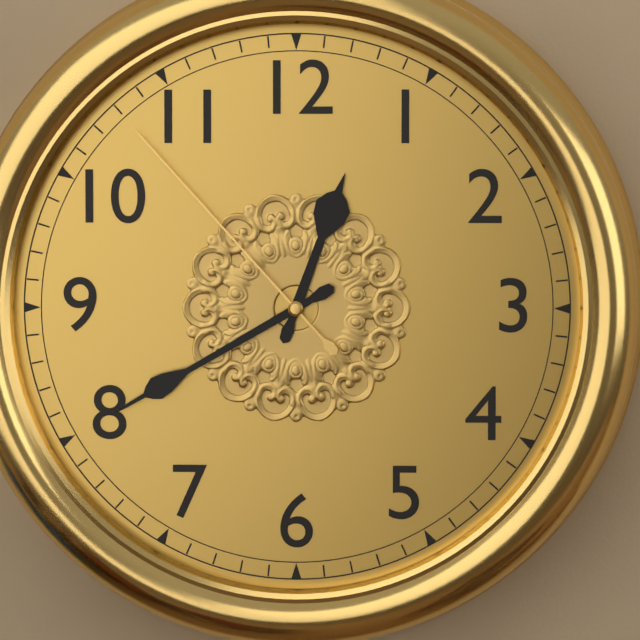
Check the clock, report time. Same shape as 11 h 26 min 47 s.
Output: 12 h 40 min 53 s
